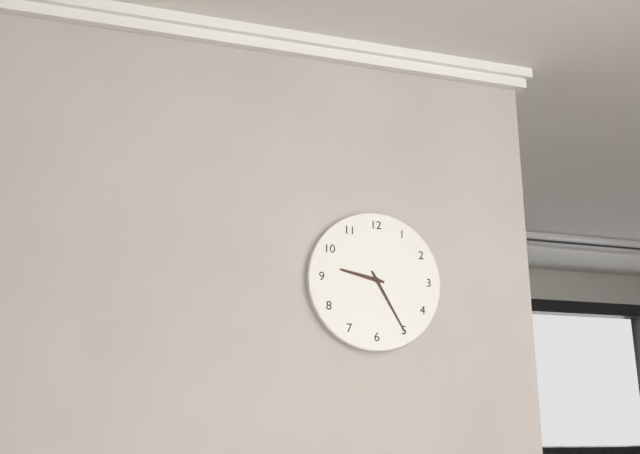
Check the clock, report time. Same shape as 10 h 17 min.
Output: 9 h 25 min
